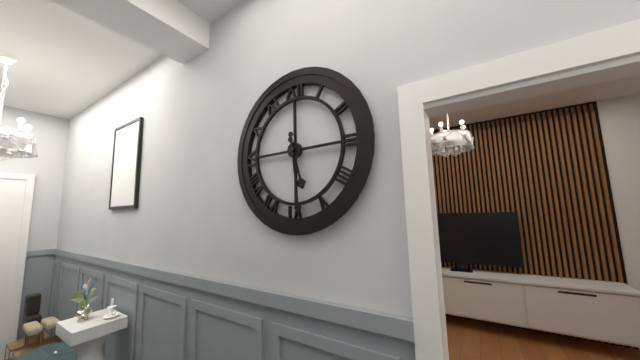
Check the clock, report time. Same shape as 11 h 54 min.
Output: 5 h 29 min
